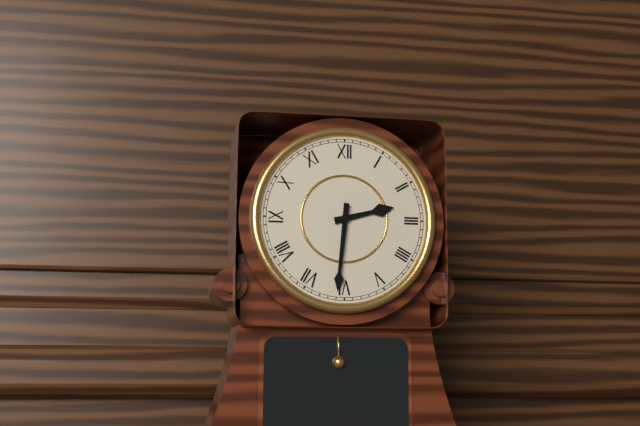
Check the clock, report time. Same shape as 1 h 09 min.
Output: 2 h 31 min
